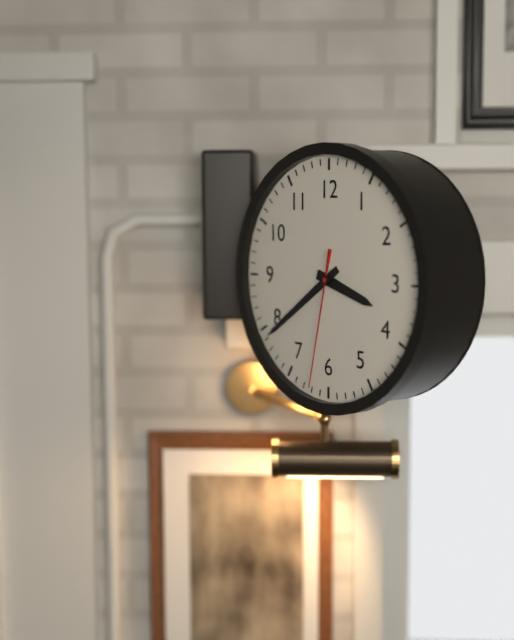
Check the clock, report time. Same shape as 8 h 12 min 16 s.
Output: 3 h 39 min 32 s
